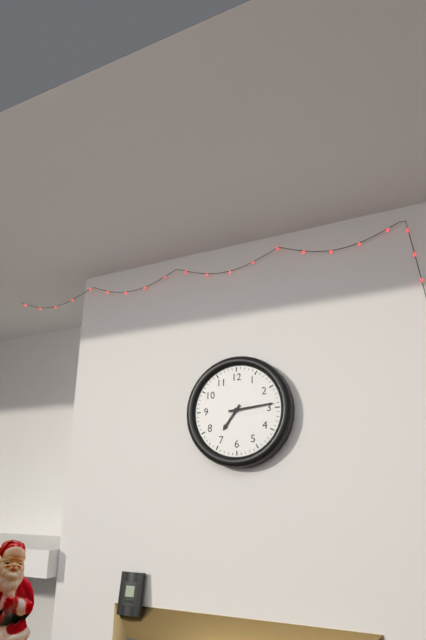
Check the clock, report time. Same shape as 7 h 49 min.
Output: 7 h 14 min
